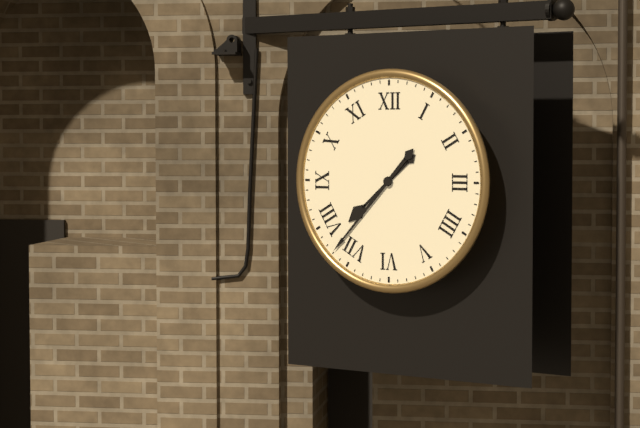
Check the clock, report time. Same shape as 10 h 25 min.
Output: 7 h 37 min
